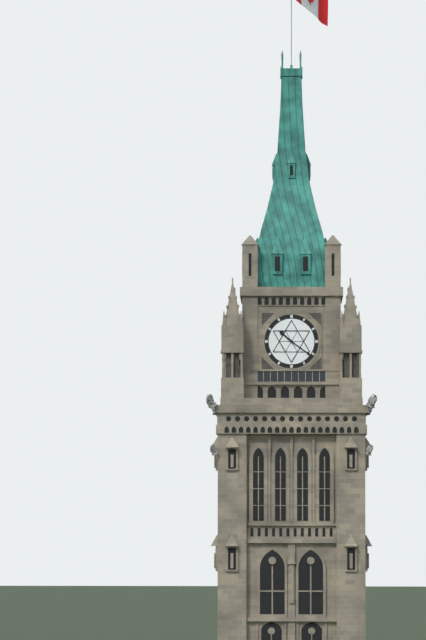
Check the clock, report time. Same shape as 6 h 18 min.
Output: 10 h 21 min
